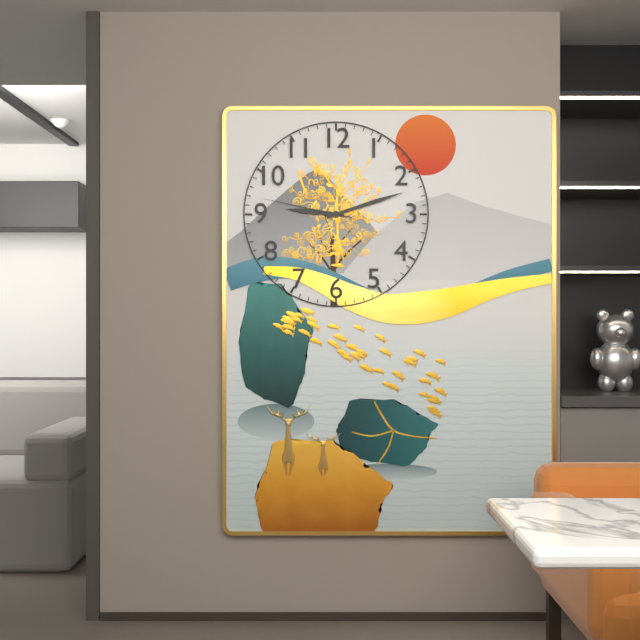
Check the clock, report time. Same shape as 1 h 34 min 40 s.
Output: 9 h 12 min 47 s
